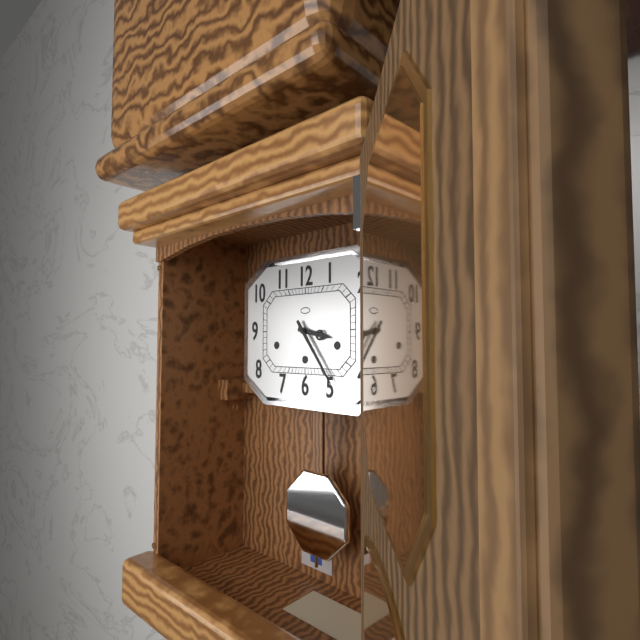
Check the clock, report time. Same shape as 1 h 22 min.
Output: 3 h 24 min
